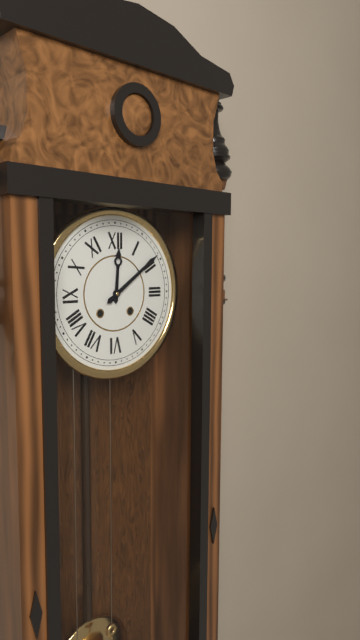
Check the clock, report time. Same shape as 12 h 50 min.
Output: 12 h 09 min
